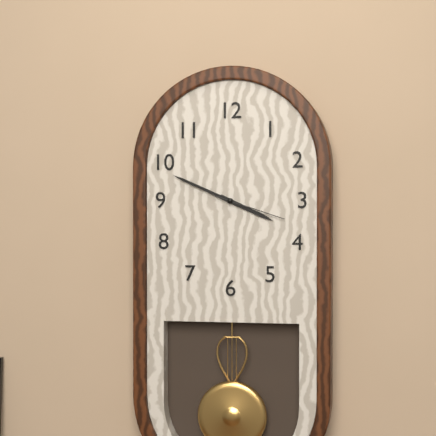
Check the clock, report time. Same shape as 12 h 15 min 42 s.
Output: 3 h 49 min 18 s
